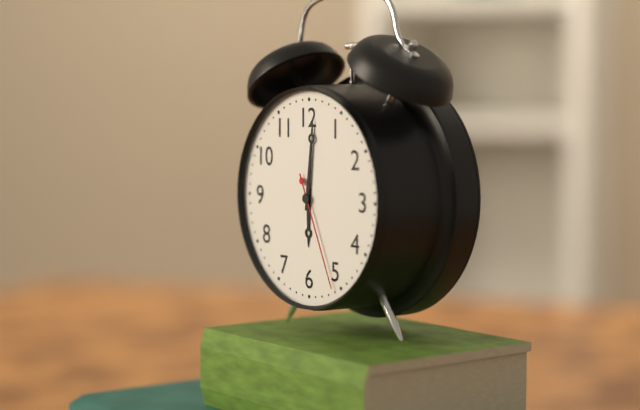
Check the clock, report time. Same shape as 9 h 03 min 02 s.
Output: 6 h 01 min 26 s
